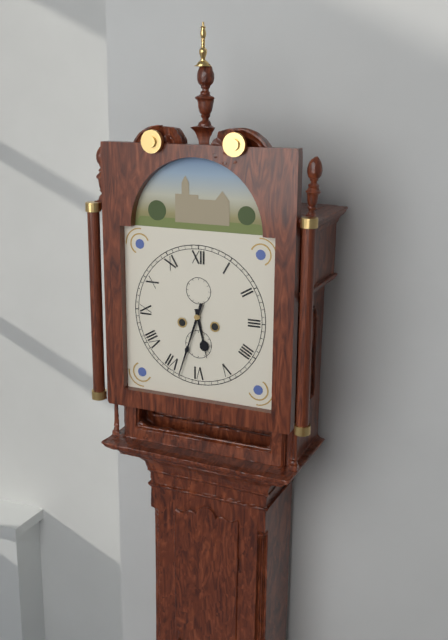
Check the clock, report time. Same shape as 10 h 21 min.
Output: 5 h 33 min
